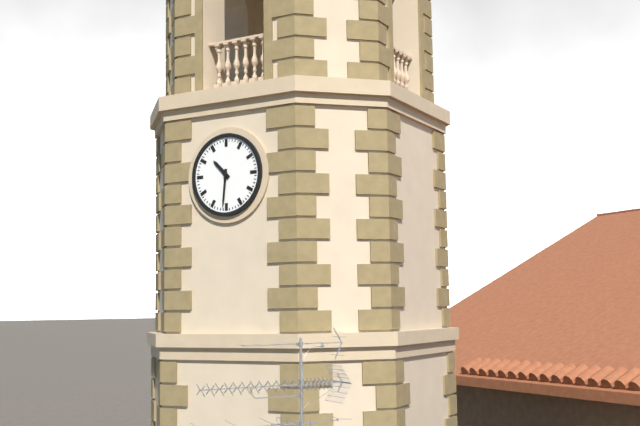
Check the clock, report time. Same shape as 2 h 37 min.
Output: 10 h 31 min
